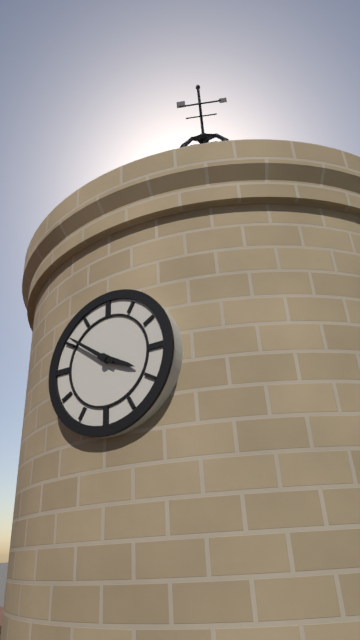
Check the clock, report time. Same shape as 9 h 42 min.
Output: 3 h 51 min
